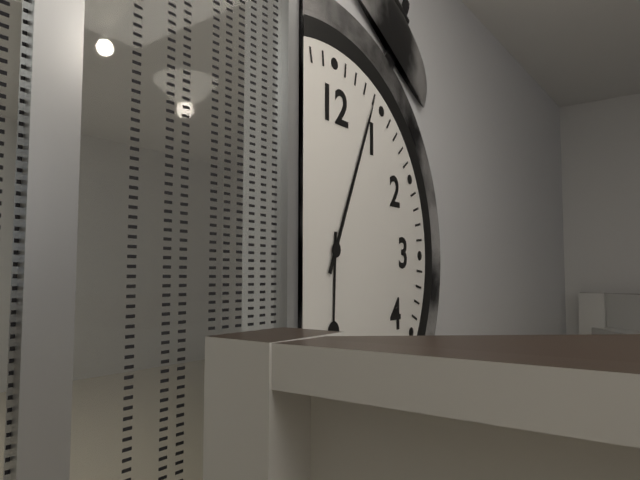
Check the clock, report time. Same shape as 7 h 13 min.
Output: 6 h 04 min
